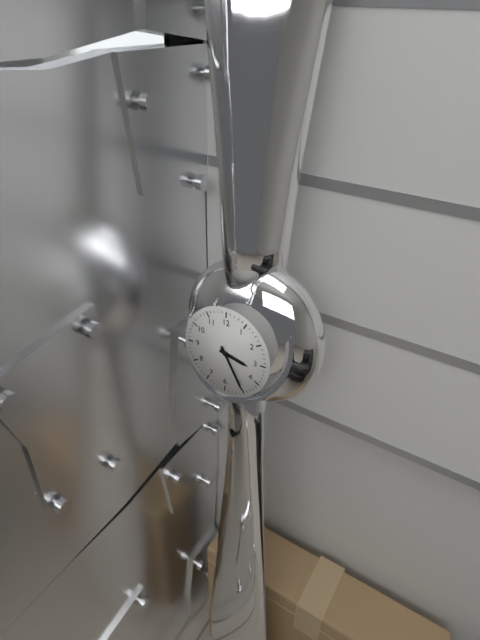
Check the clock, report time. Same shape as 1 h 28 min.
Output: 3 h 25 min
